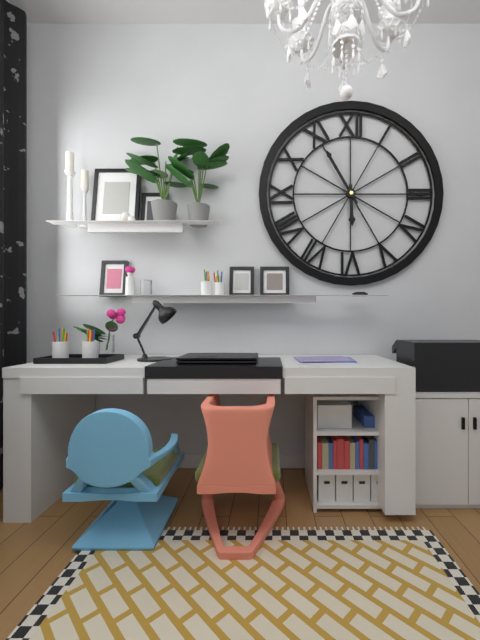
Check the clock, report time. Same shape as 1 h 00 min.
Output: 5 h 55 min
